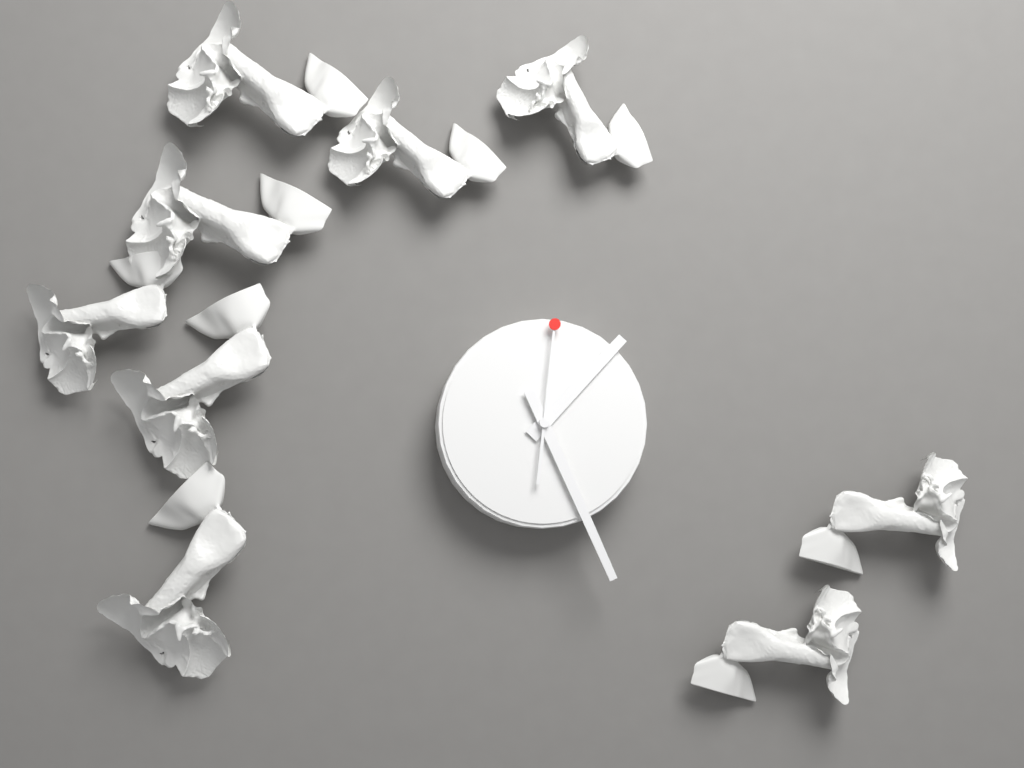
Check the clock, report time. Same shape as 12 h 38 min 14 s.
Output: 1 h 26 min 01 s
